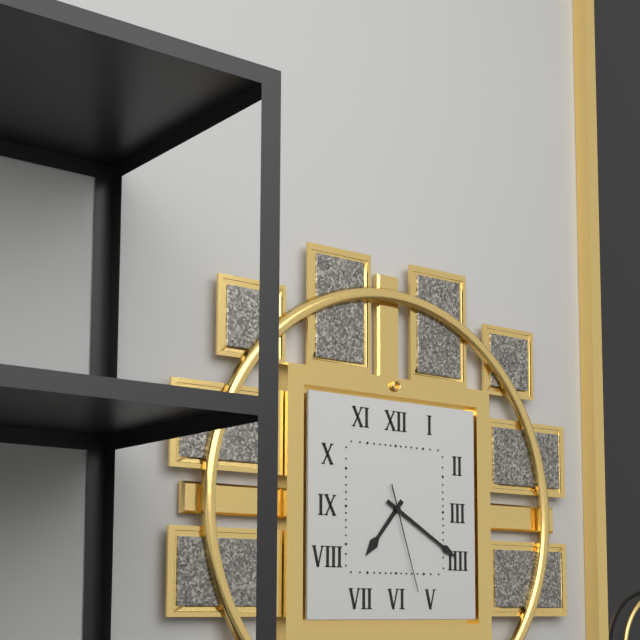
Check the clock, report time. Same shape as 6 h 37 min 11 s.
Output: 7 h 20 min 27 s
